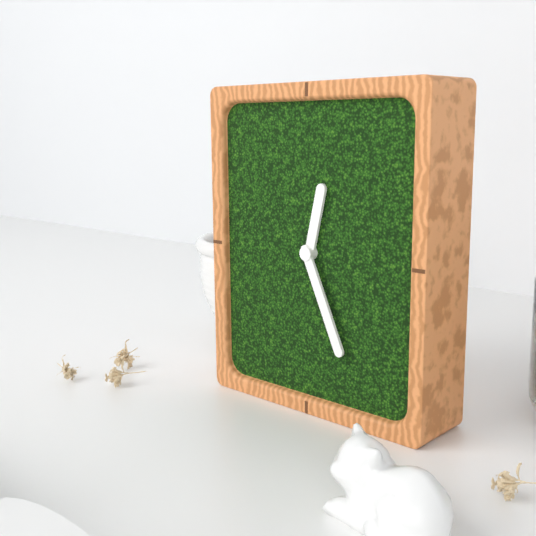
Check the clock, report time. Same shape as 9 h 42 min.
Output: 12 h 26 min
